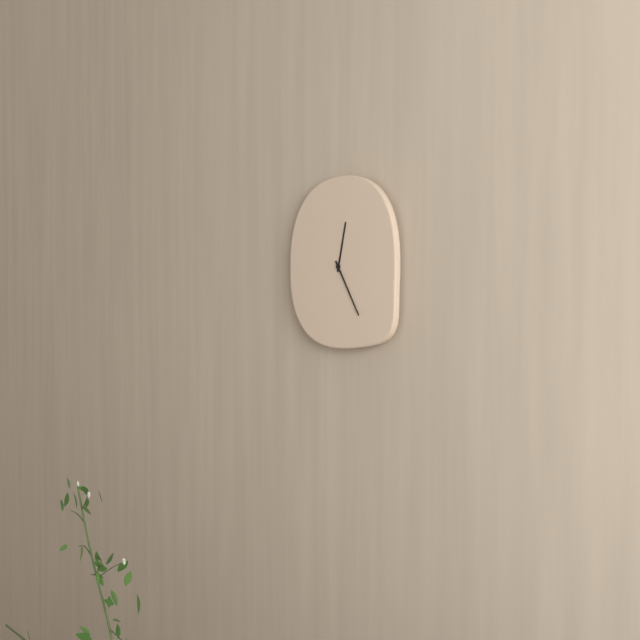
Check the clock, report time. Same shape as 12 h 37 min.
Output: 12 h 25 min
